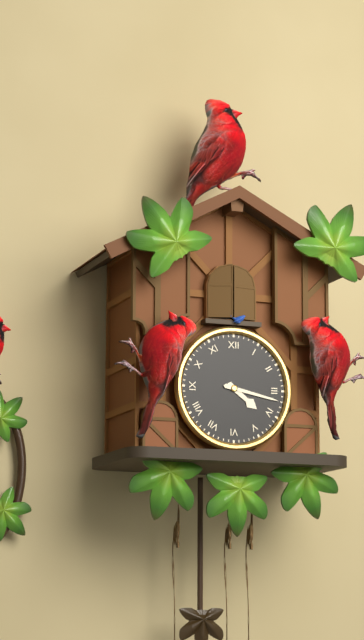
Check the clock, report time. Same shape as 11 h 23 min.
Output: 4 h 17 min
